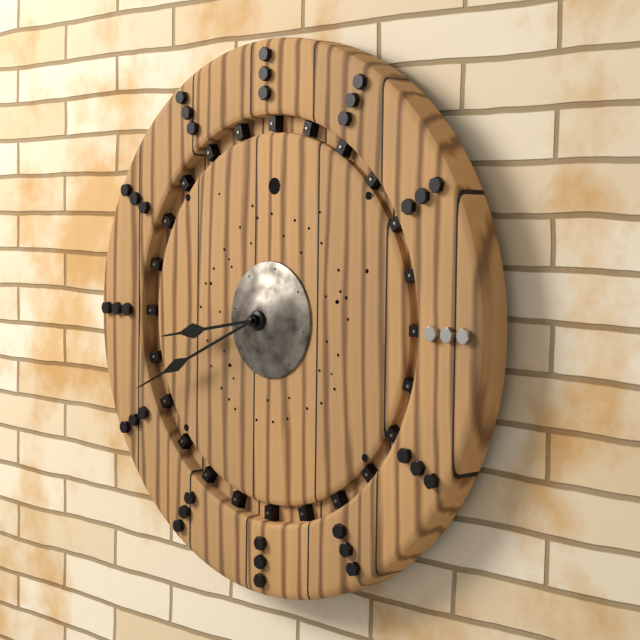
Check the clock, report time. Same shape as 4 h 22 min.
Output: 8 h 41 min
